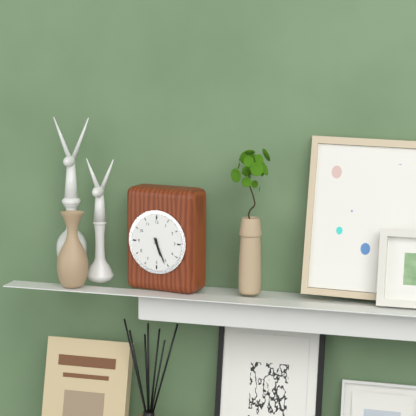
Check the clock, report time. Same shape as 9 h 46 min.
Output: 5 h 26 min
